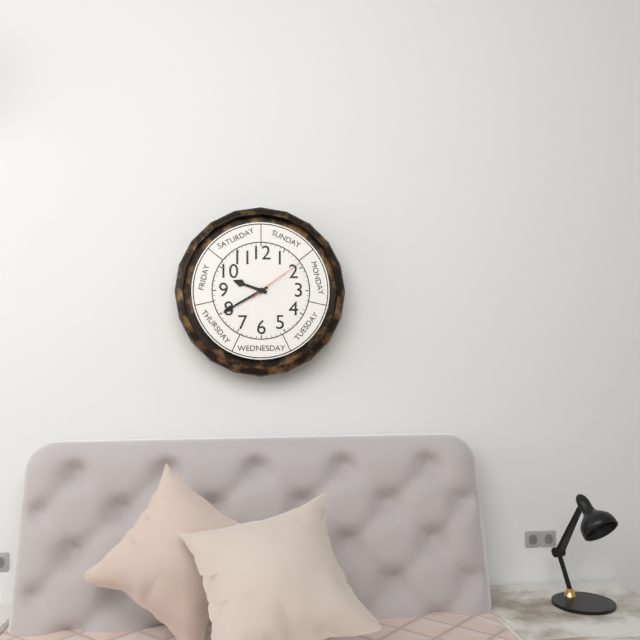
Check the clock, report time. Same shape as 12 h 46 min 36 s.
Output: 9 h 40 min 09 s
